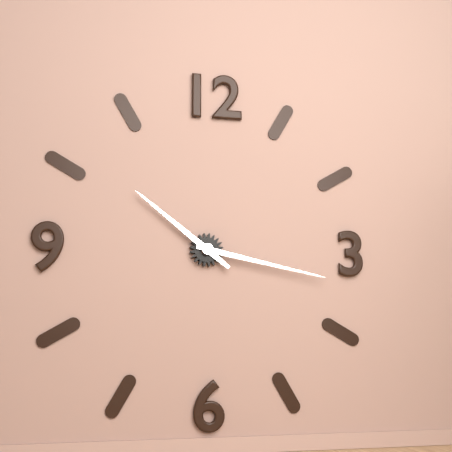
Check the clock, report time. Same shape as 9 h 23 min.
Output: 10 h 17 min
